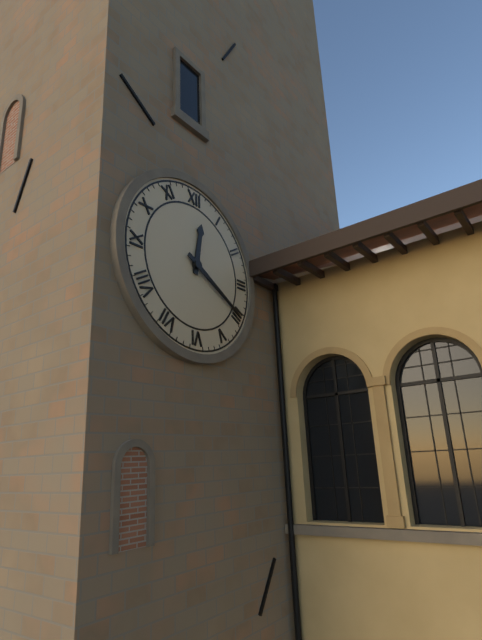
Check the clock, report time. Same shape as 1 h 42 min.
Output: 12 h 20 min
